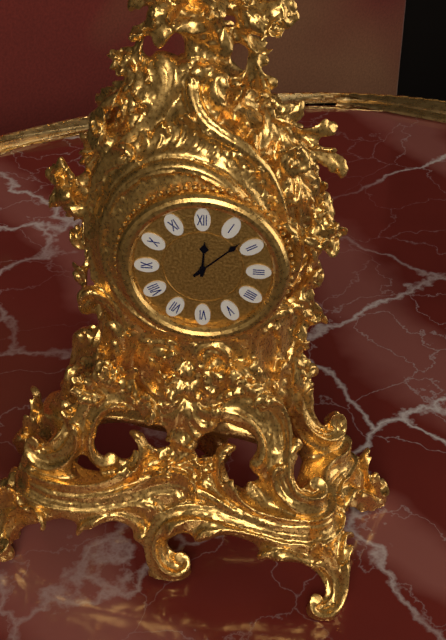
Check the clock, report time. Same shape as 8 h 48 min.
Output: 12 h 08 min
